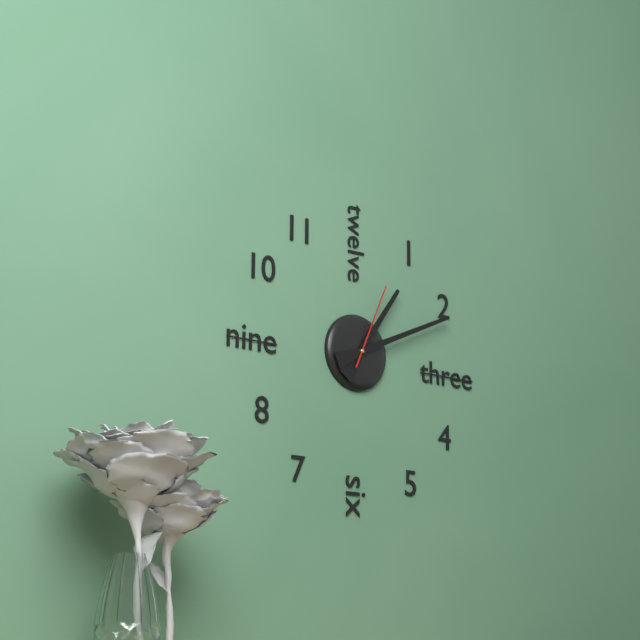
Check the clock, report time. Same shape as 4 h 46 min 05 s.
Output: 1 h 11 min 04 s
